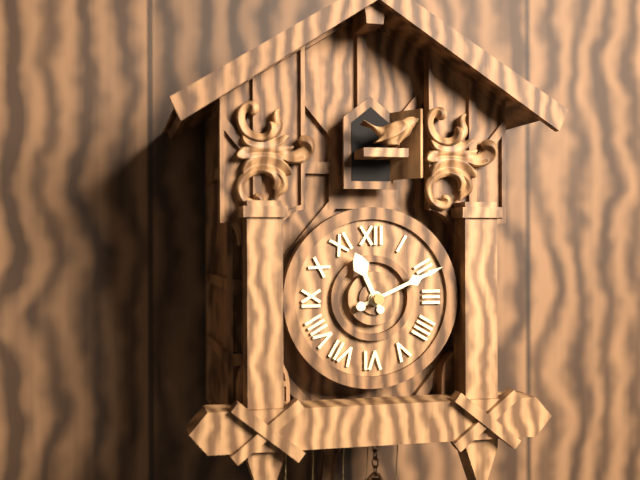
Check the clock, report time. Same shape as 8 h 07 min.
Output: 11 h 11 min
